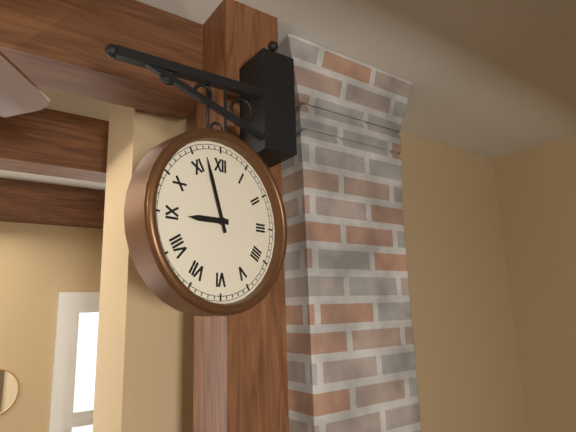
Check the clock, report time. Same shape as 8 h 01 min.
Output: 8 h 57 min
